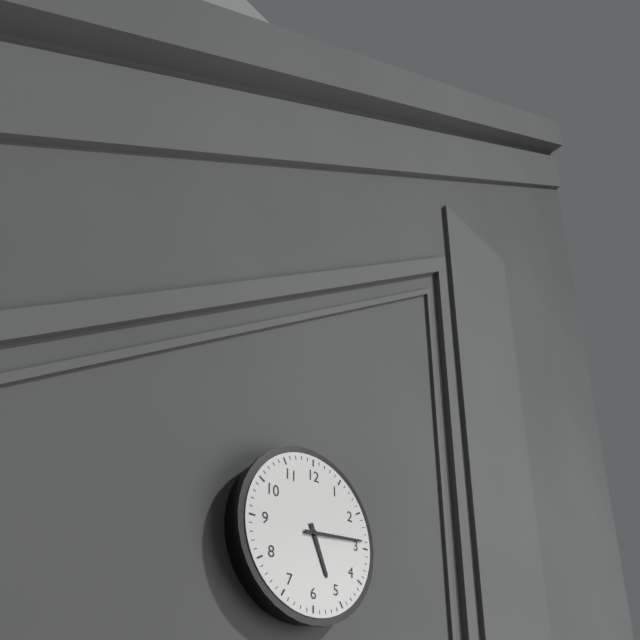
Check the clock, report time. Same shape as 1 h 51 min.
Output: 5 h 14 min
